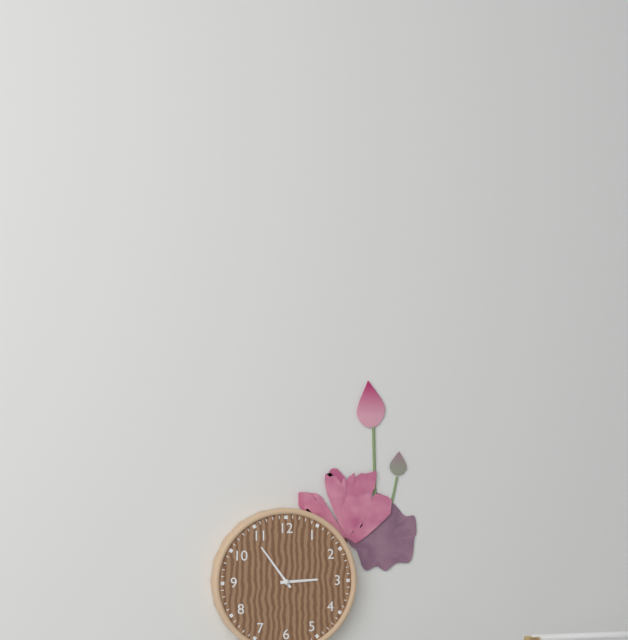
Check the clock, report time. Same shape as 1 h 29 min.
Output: 2 h 54 min
